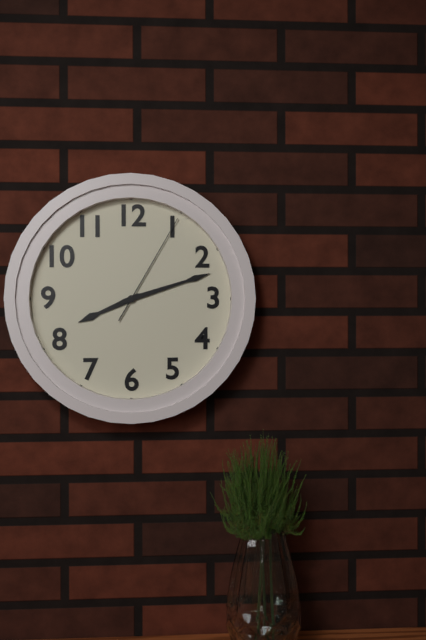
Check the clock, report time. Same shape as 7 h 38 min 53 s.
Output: 8 h 12 min 05 s
